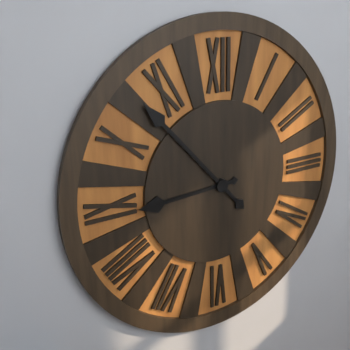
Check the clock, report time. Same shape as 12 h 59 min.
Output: 8 h 53 min
